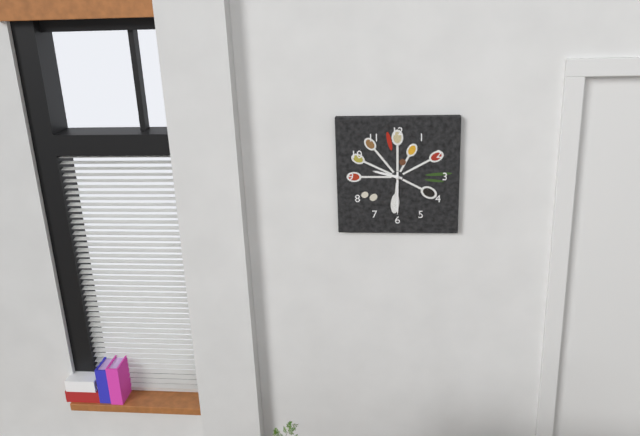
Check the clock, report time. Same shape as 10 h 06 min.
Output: 9 h 30 min
